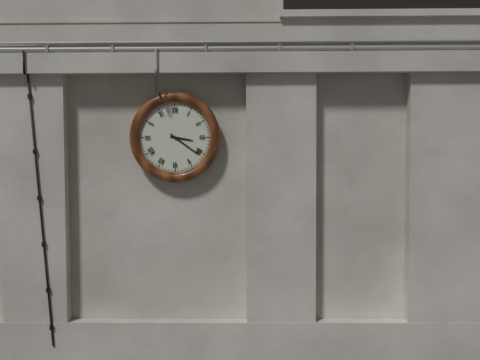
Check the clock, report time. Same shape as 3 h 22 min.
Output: 3 h 21 min
